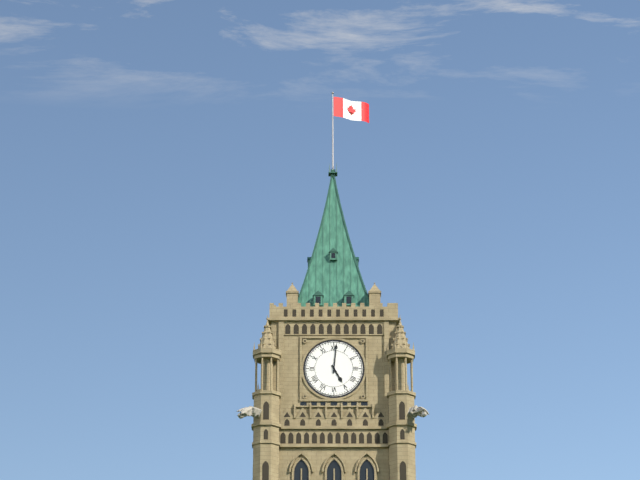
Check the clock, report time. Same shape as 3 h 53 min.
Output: 5 h 01 min
